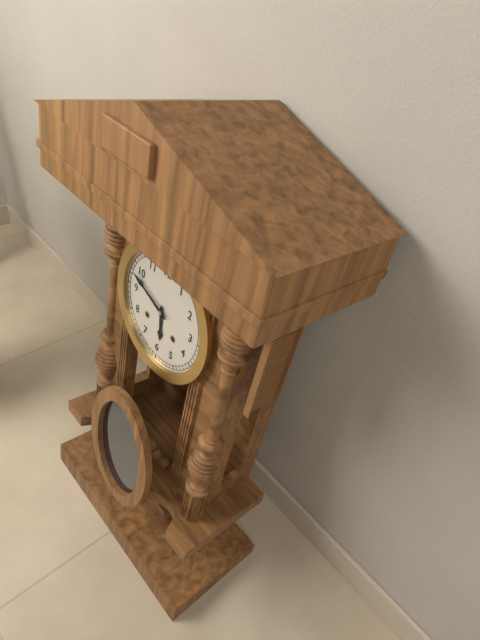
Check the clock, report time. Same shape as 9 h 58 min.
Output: 5 h 48 min
